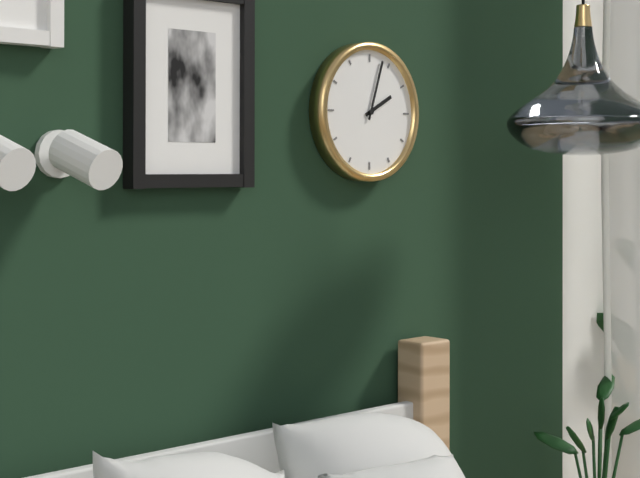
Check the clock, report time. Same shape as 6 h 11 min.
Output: 2 h 03 min
